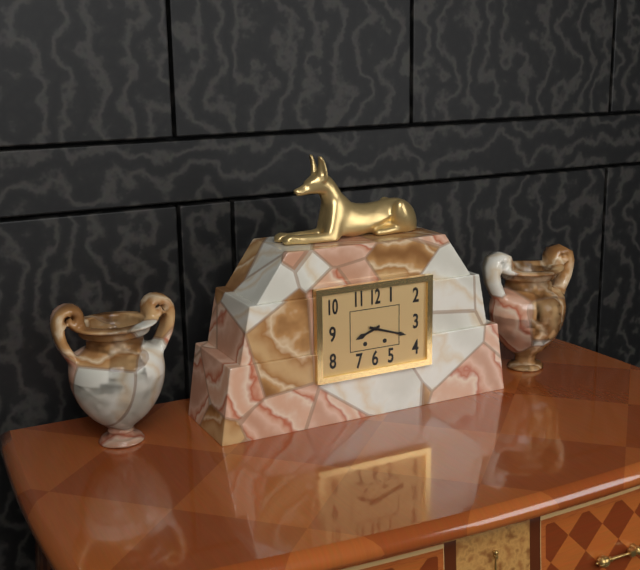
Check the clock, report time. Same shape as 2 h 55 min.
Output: 8 h 18 min
